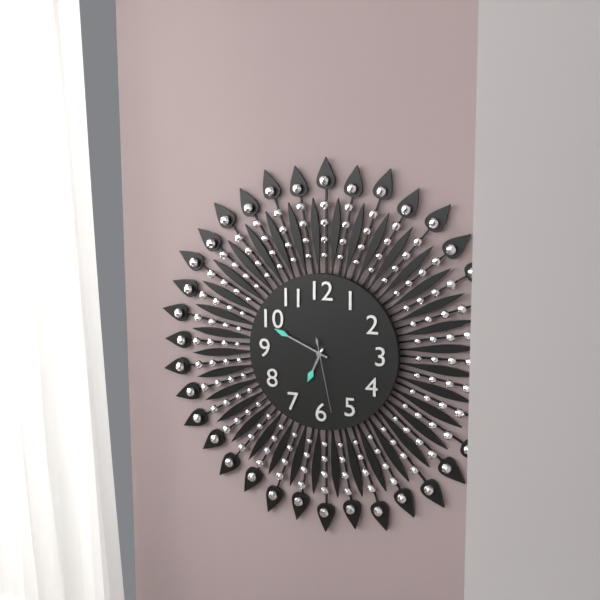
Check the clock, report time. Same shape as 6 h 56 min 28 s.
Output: 6 h 49 min 28 s
